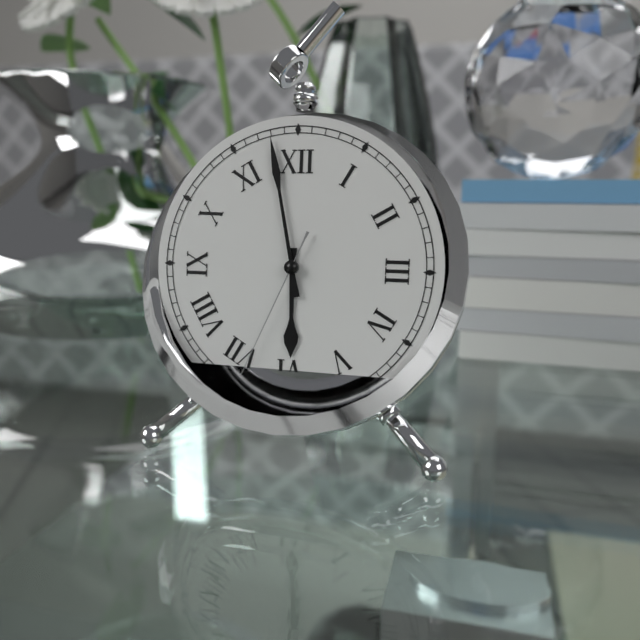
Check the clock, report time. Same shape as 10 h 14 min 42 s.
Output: 5 h 58 min 34 s
